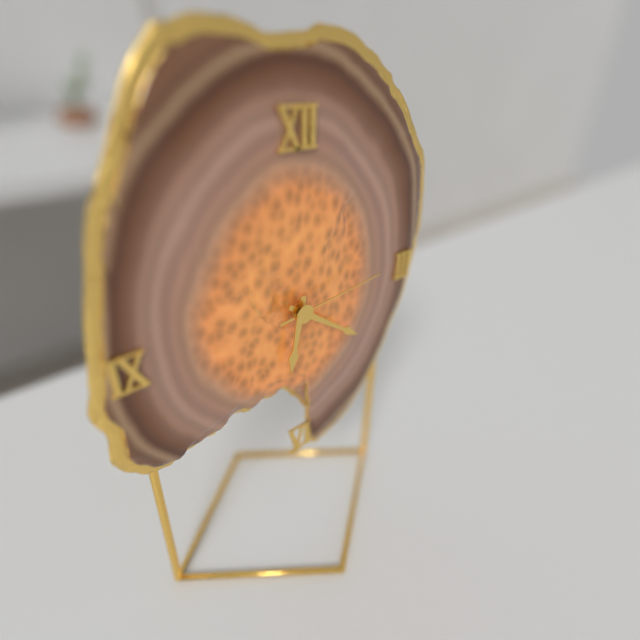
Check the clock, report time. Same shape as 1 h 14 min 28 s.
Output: 6 h 21 min 14 s
